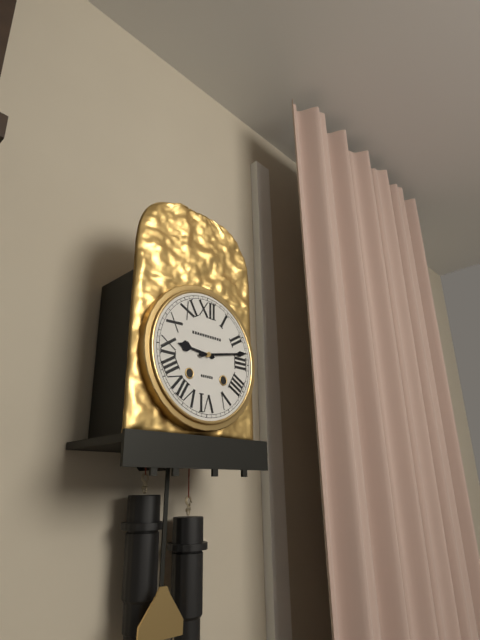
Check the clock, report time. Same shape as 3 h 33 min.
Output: 9 h 13 min
